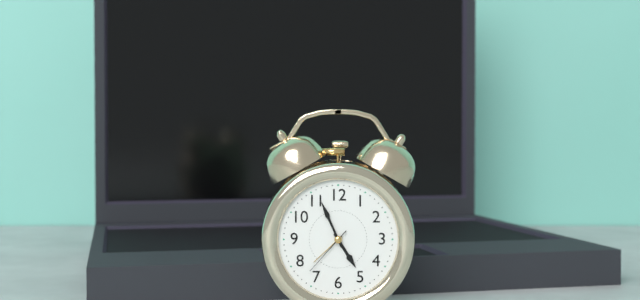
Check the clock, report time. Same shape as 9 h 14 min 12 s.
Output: 4 h 56 min 37 s
